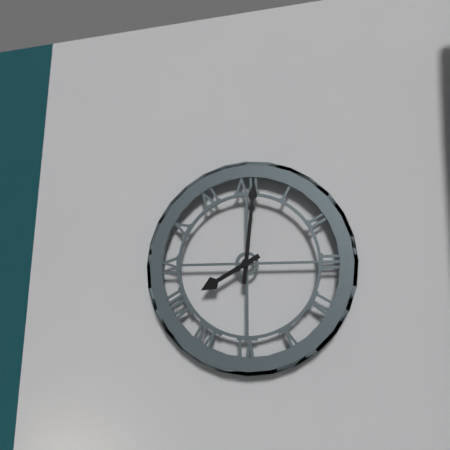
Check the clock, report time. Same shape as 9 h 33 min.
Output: 8 h 01 min
